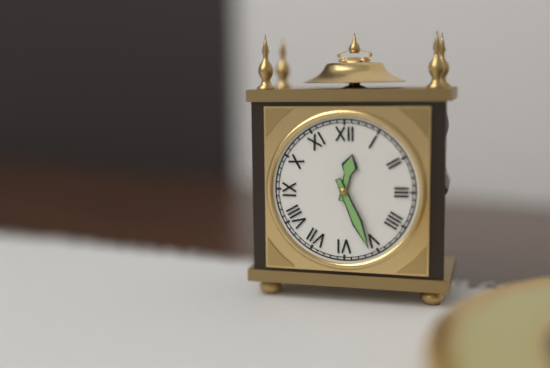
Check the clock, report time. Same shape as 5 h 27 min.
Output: 12 h 26 min
